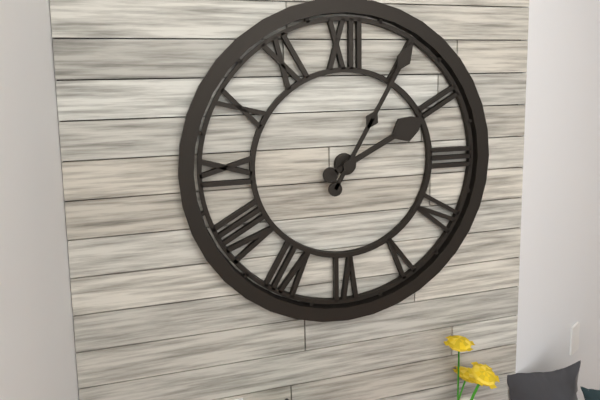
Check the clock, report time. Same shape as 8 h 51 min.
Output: 2 h 05 min
